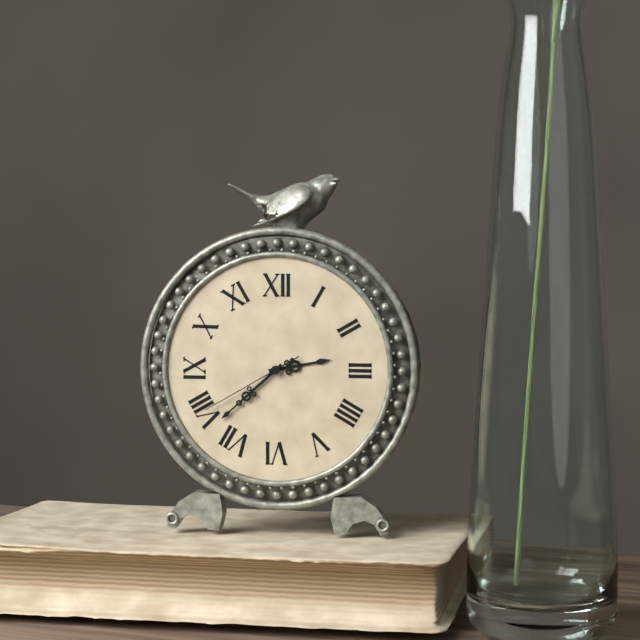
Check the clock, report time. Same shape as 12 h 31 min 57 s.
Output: 2 h 38 min 40 s
